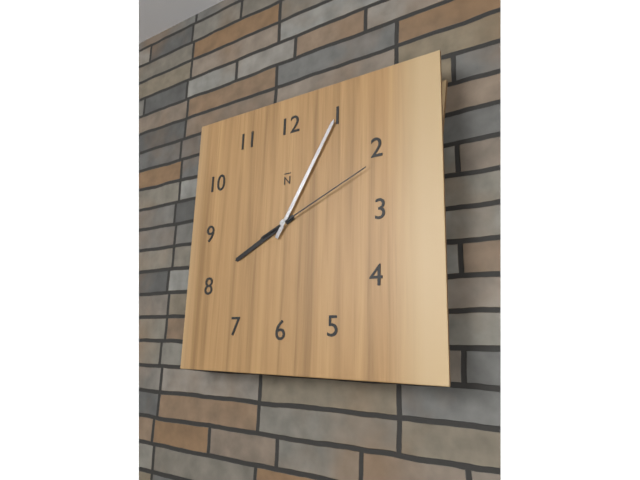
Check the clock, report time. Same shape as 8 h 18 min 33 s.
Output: 8 h 05 min 11 s
